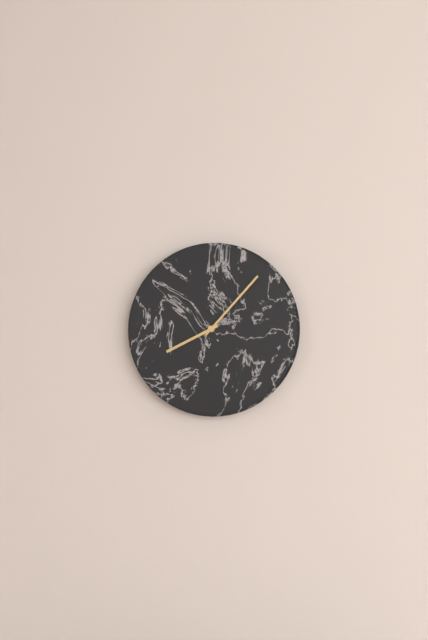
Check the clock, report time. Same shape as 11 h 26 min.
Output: 8 h 07 min
